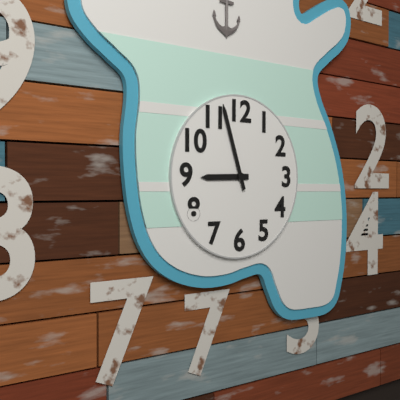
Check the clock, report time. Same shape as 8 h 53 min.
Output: 8 h 57 min
